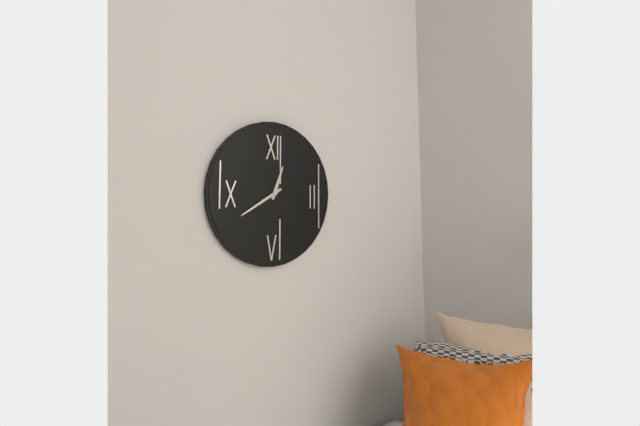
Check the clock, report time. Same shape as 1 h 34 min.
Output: 12 h 40 min
